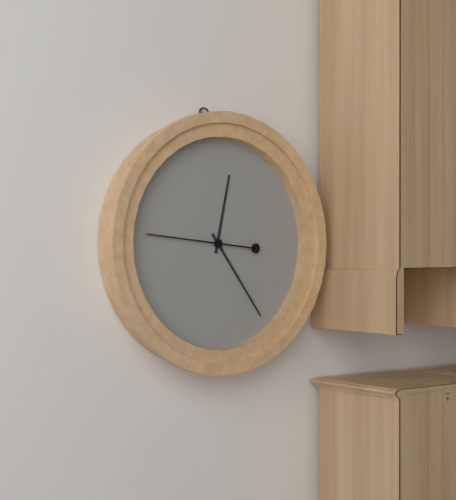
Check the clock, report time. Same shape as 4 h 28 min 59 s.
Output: 12 h 24 min 46 s
